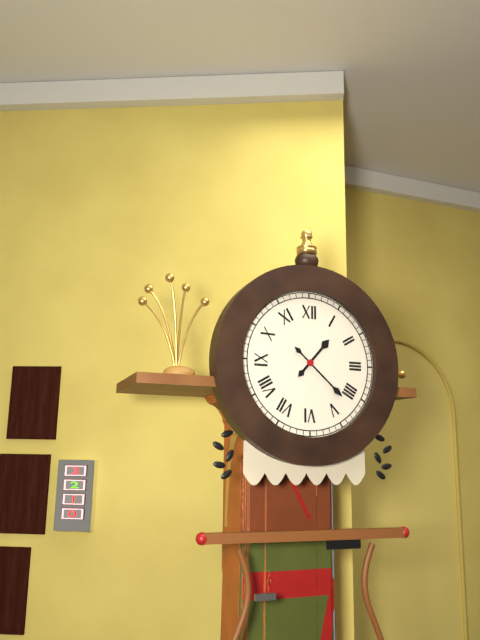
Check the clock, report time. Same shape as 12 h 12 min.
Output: 1 h 22 min
